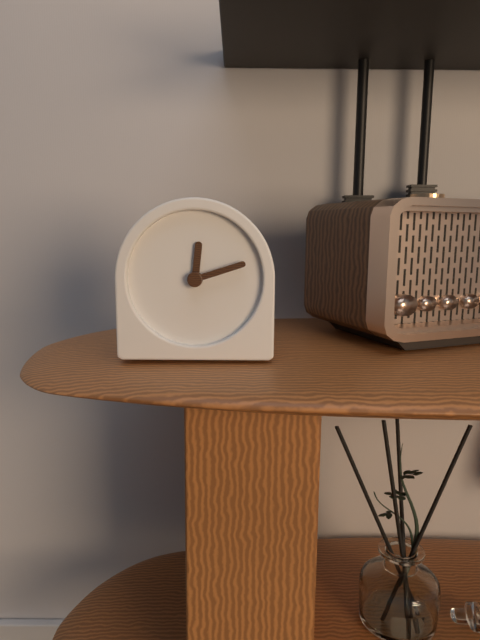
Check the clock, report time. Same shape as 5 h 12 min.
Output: 12 h 12 min
